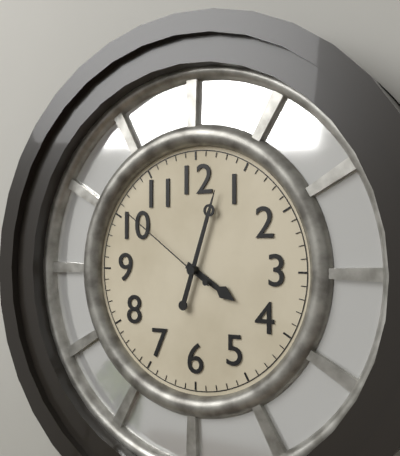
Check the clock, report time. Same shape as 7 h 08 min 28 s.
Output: 4 h 03 min 51 s
